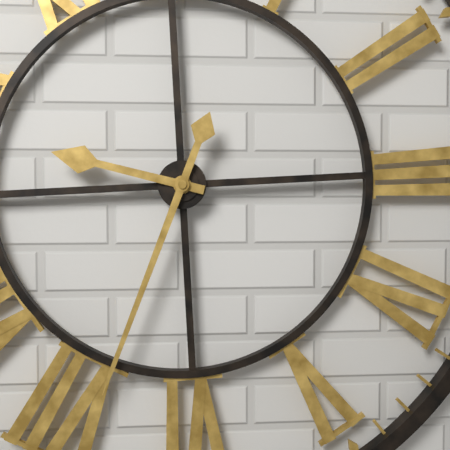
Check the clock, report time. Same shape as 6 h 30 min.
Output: 9 h 34 min
